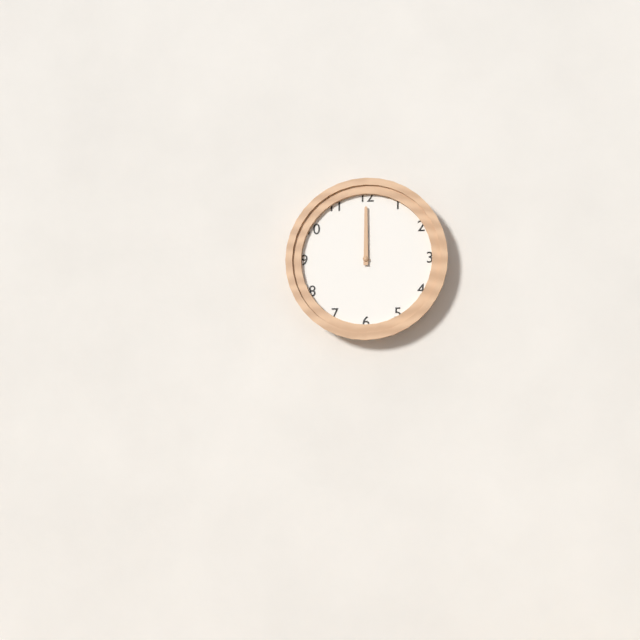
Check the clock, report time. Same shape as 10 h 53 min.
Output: 12 h 00 min
